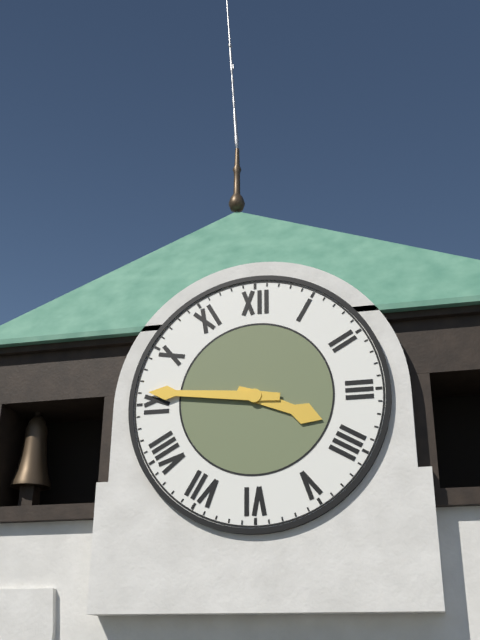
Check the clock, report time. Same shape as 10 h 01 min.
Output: 3 h 46 min
